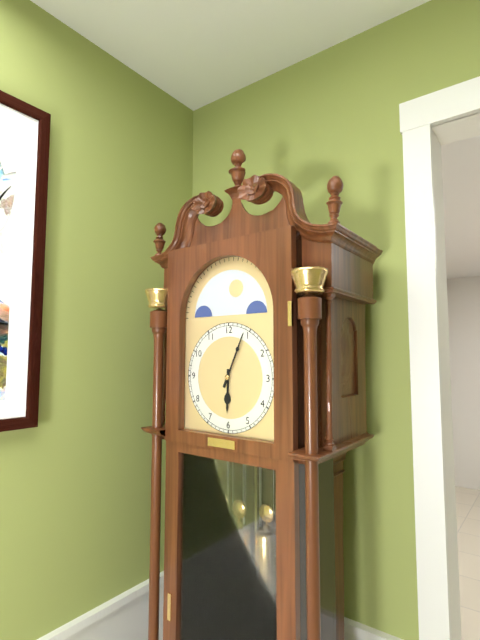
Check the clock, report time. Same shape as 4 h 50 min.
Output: 6 h 04 min
